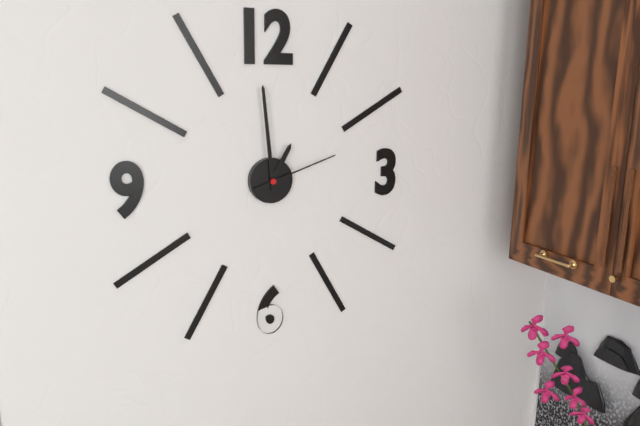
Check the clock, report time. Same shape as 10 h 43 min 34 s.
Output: 12 h 59 min 12 s
